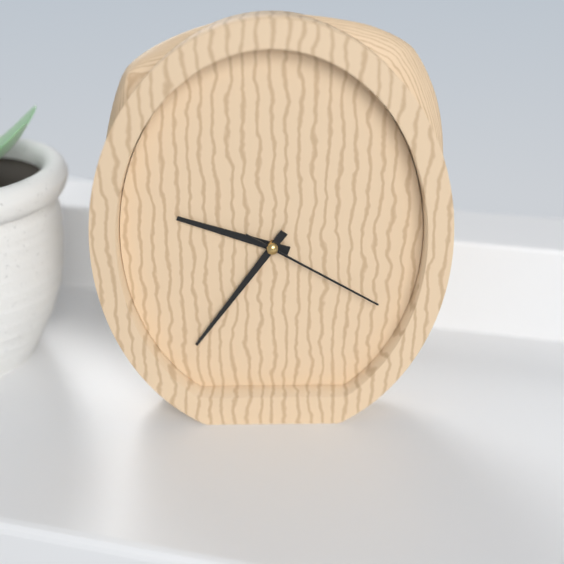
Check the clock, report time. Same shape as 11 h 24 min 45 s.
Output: 9 h 36 min 20 s
